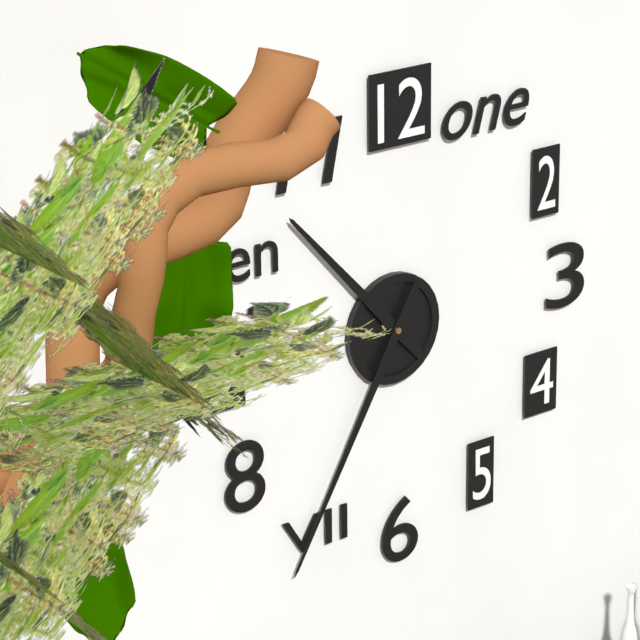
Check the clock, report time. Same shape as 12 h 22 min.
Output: 10 h 35 min
